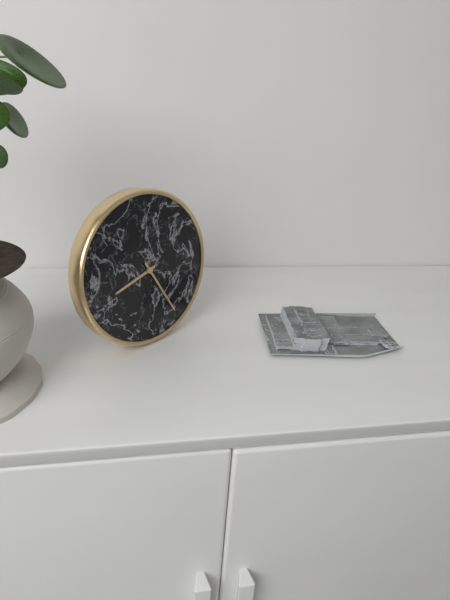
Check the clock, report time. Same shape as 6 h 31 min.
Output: 8 h 25 min
